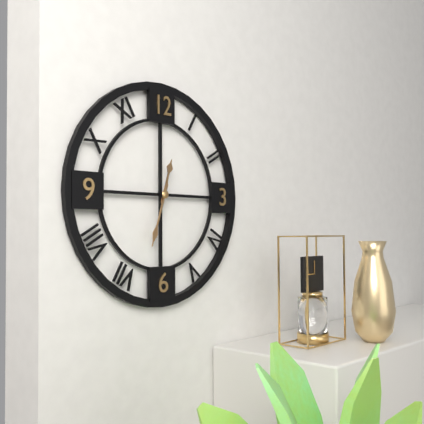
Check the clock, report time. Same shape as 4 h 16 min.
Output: 12 h 33 min
